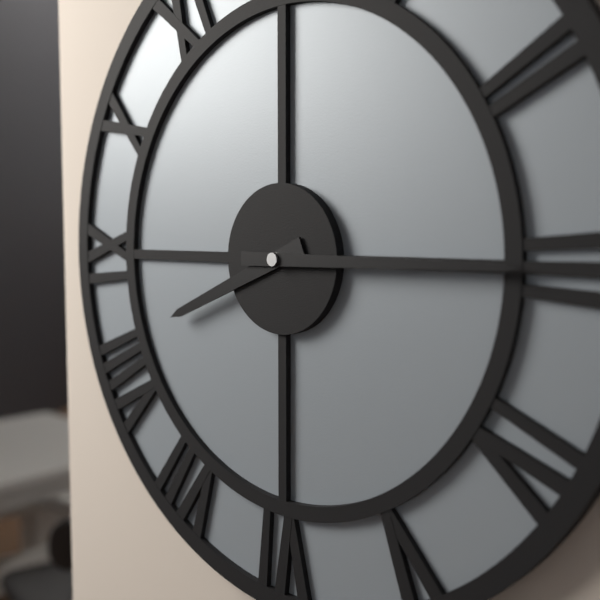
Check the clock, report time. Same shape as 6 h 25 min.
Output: 8 h 15 min
